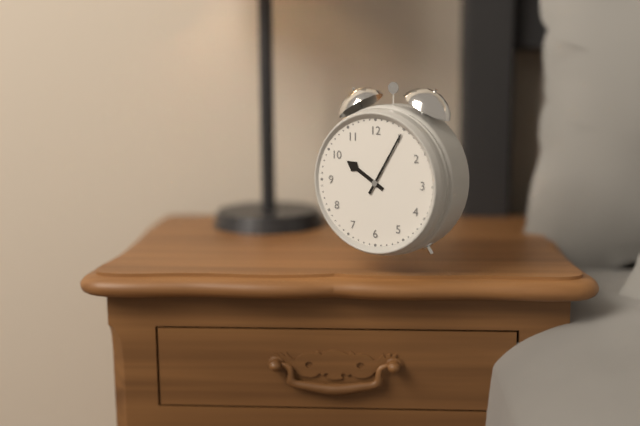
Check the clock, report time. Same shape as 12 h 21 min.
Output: 10 h 05 min
